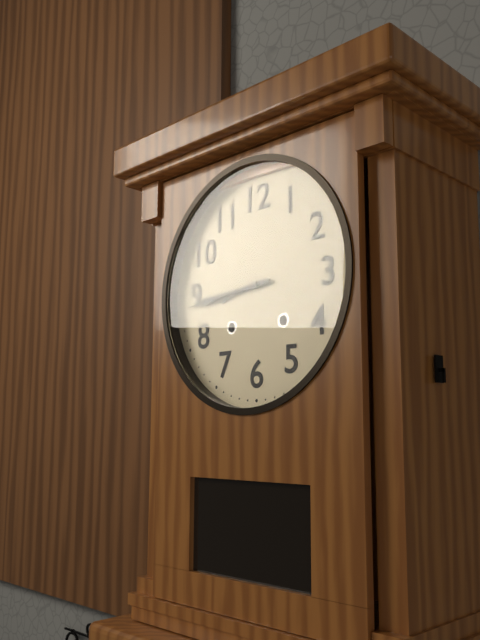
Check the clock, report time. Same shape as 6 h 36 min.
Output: 8 h 44 min
